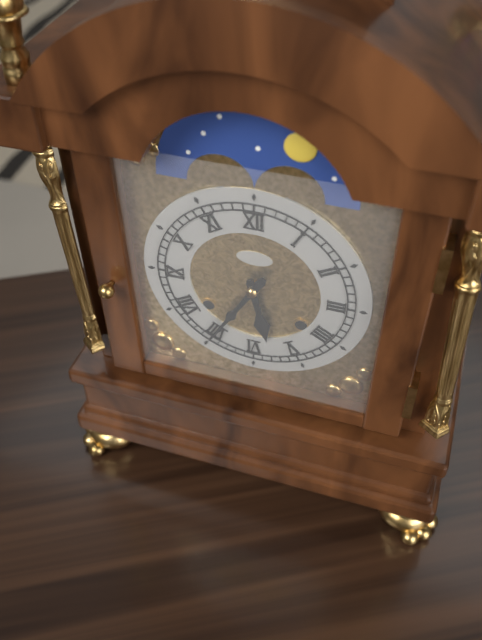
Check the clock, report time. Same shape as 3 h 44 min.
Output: 5 h 35 min
